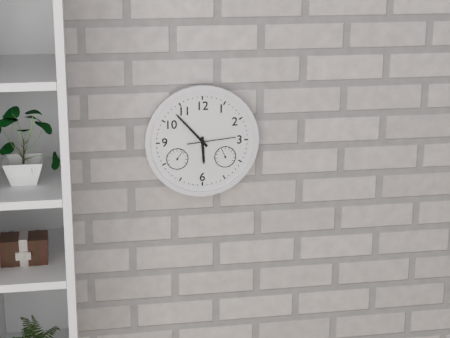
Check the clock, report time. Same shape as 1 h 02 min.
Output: 5 h 53 min
